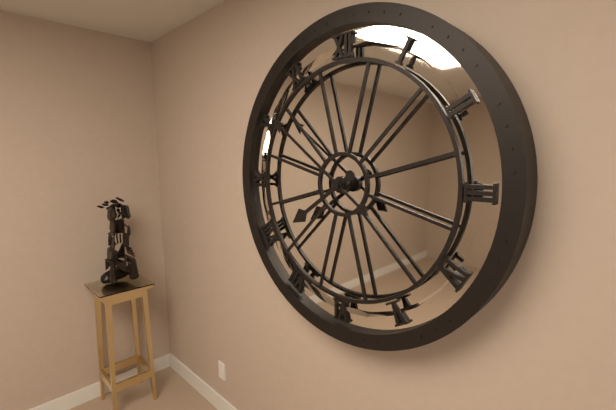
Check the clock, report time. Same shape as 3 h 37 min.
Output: 7 h 51 min
